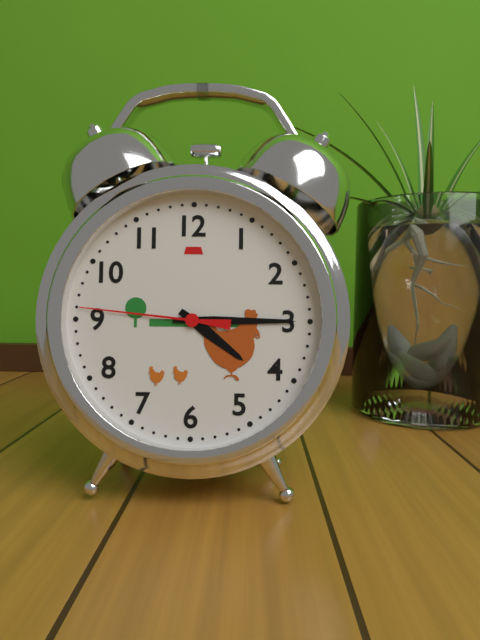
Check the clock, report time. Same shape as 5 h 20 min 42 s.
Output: 4 h 15 min 46 s
